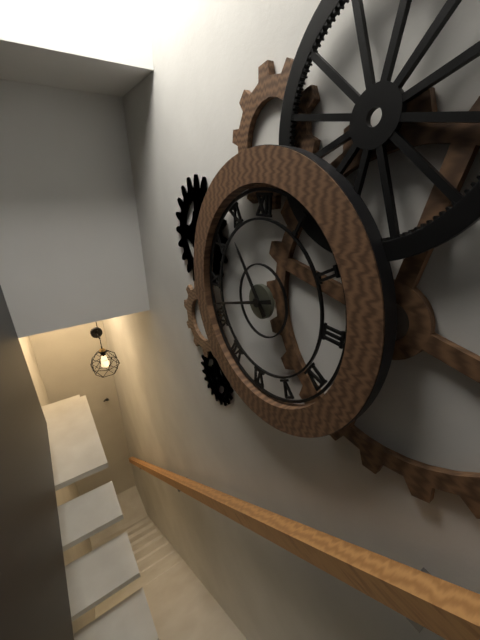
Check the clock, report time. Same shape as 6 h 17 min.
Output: 10 h 42 min
